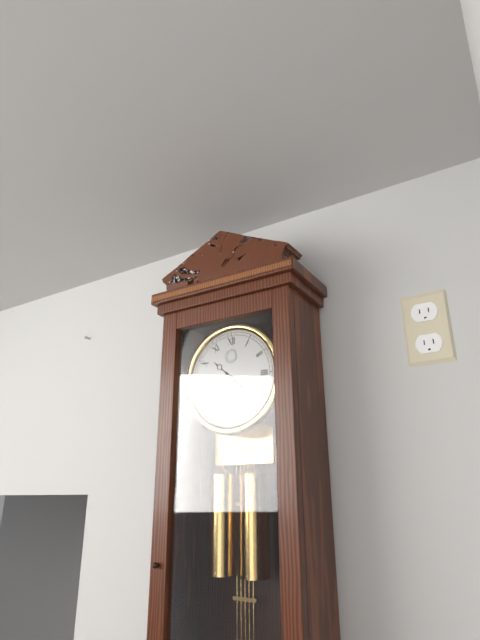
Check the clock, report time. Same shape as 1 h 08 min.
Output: 10 h 22 min
